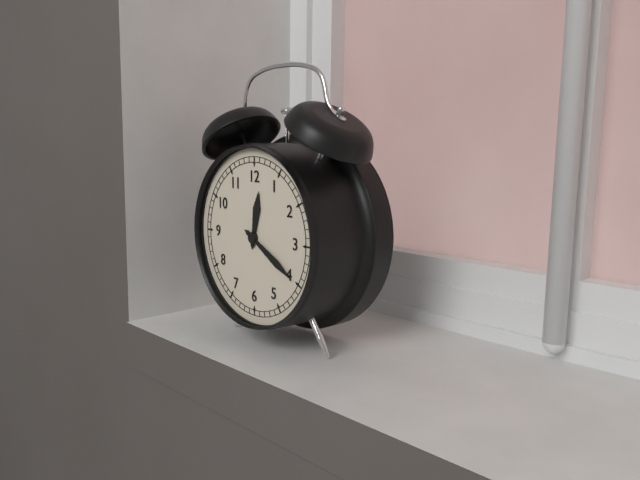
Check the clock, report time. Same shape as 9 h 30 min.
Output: 12 h 20 min
